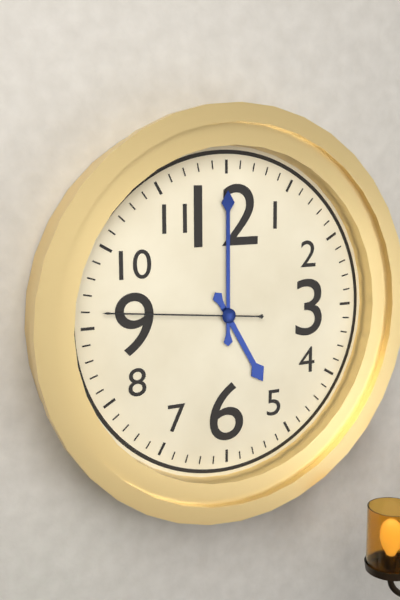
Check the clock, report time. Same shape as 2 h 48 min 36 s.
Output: 5 h 00 min 46 s
